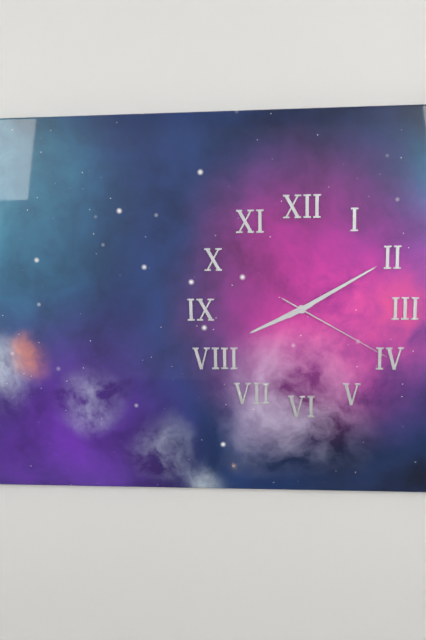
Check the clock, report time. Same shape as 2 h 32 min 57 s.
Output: 8 h 10 min 20 s
